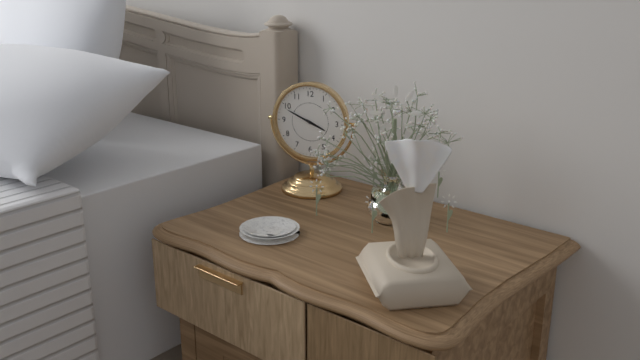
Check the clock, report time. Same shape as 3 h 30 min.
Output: 3 h 49 min
